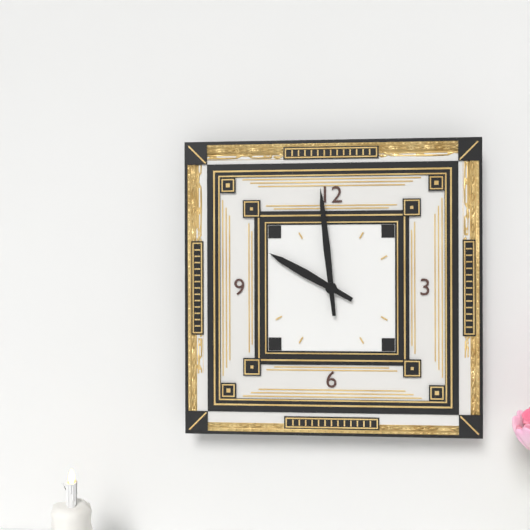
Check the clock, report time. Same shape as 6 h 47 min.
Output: 9 h 59 min
